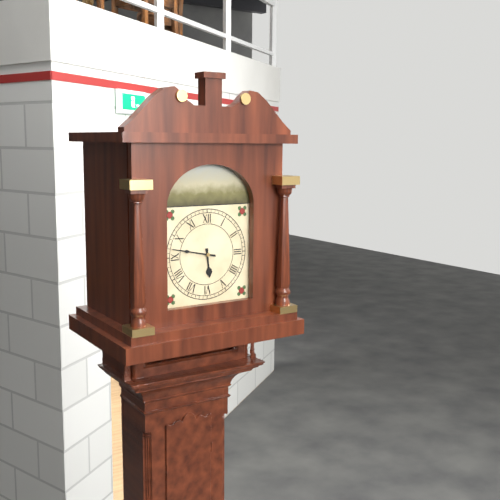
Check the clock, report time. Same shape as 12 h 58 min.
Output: 5 h 47 min
